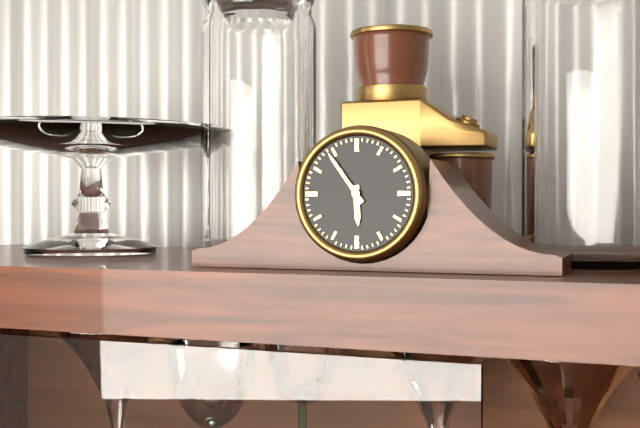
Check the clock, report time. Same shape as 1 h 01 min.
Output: 5 h 54 min
